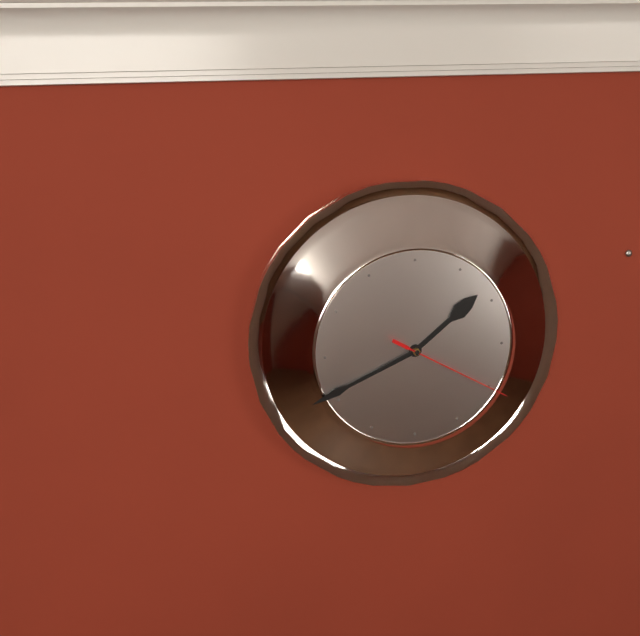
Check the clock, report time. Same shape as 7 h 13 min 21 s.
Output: 1 h 41 min 20 s
